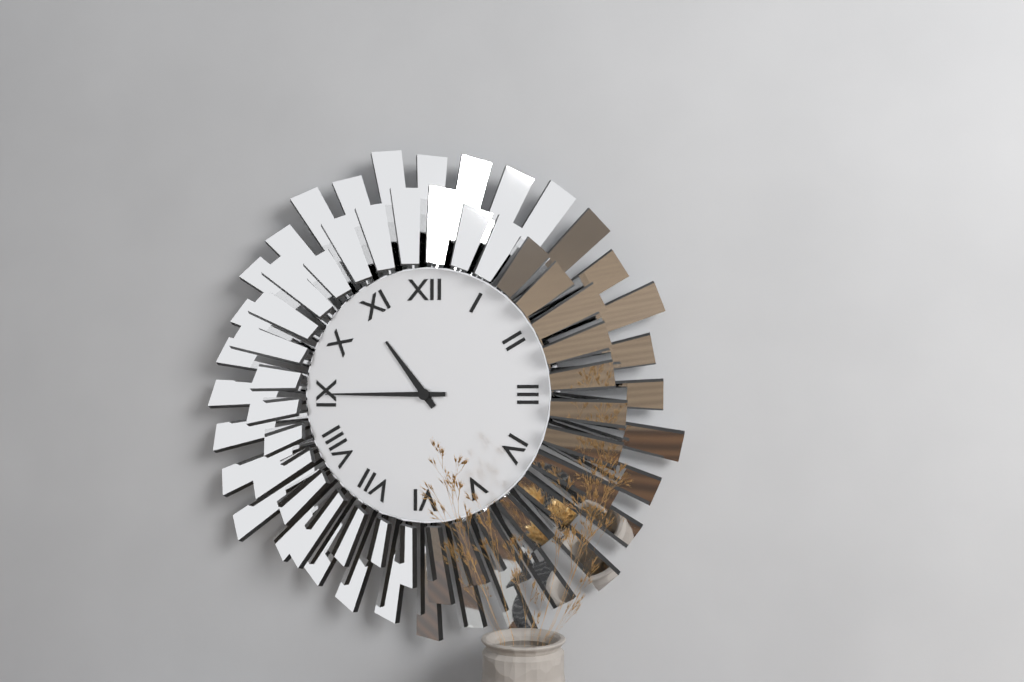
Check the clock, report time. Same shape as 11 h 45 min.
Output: 10 h 45 min
